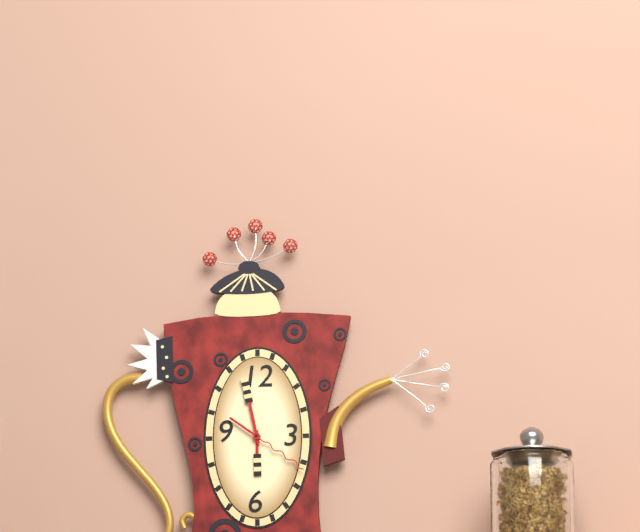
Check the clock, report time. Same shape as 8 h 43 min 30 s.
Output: 5 h 58 min 21 s
